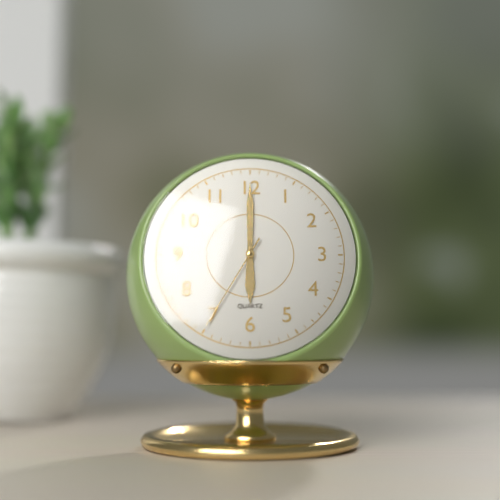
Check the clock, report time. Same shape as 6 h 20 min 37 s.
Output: 6 h 00 min 35 s
